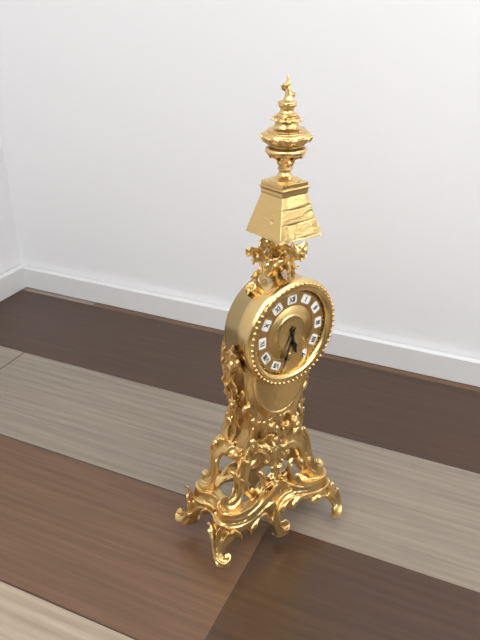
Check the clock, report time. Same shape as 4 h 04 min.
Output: 5 h 33 min
